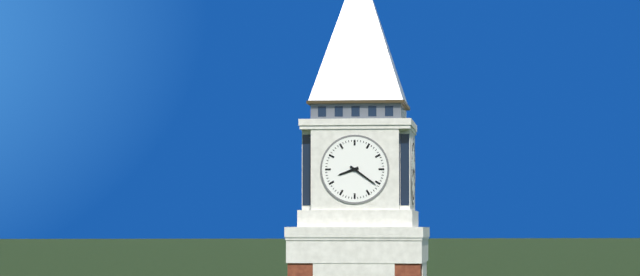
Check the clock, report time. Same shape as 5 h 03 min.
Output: 8 h 21 min
